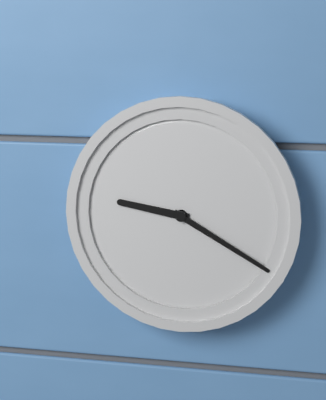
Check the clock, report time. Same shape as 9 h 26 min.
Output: 9 h 20 min
